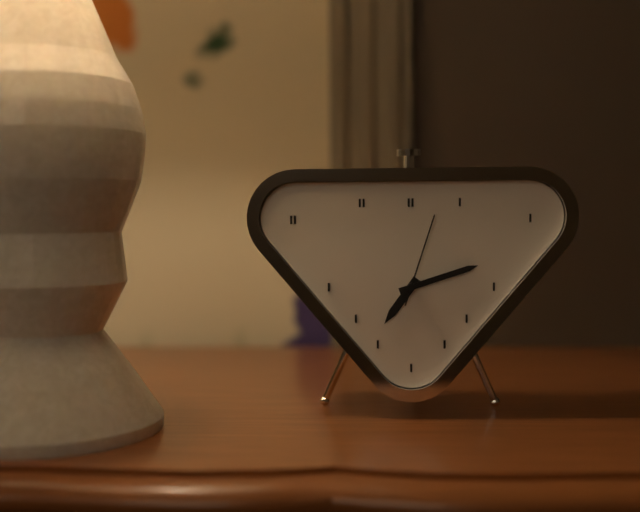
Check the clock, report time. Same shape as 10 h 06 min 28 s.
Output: 7 h 12 min 03 s
